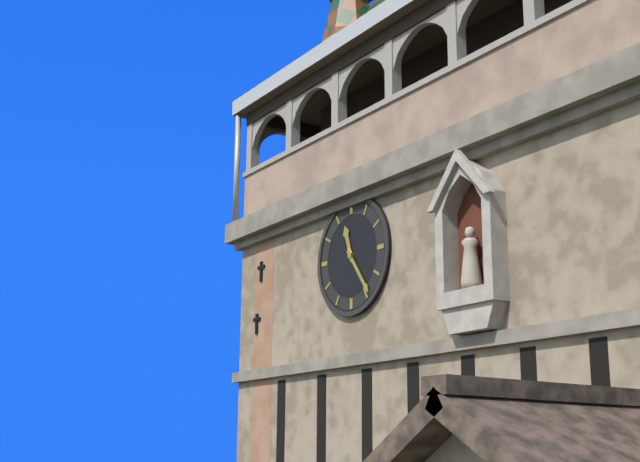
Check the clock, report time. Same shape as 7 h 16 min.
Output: 11 h 24 min
